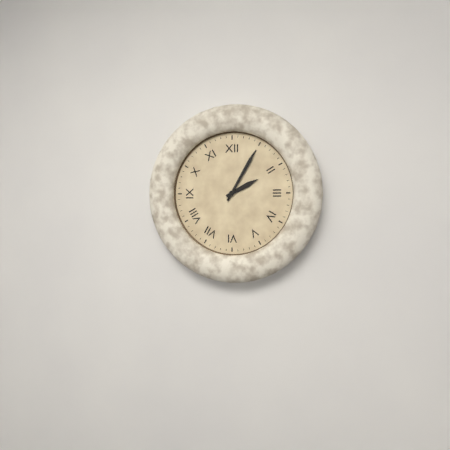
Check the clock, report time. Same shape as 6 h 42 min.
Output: 2 h 05 min
